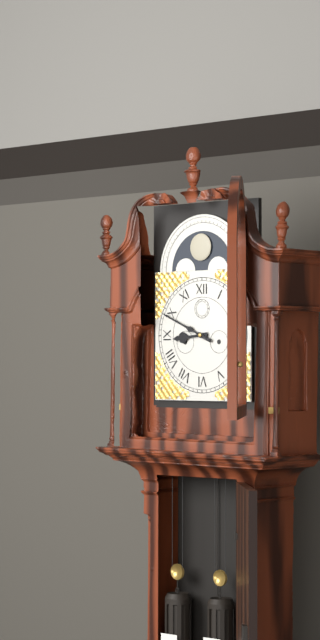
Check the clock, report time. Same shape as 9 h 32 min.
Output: 8 h 49 min
